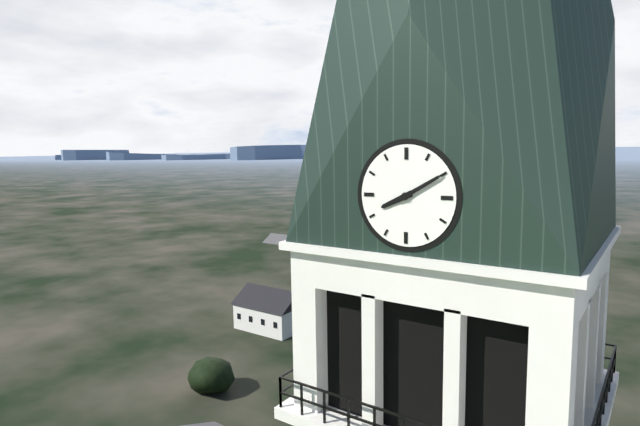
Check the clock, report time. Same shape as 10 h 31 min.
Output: 8 h 10 min
